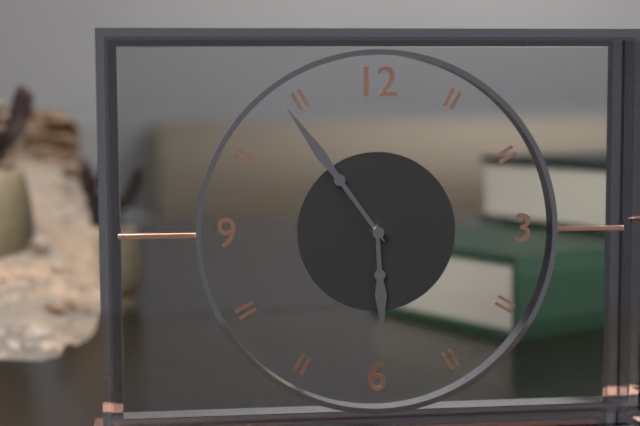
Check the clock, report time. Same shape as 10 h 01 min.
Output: 5 h 54 min
